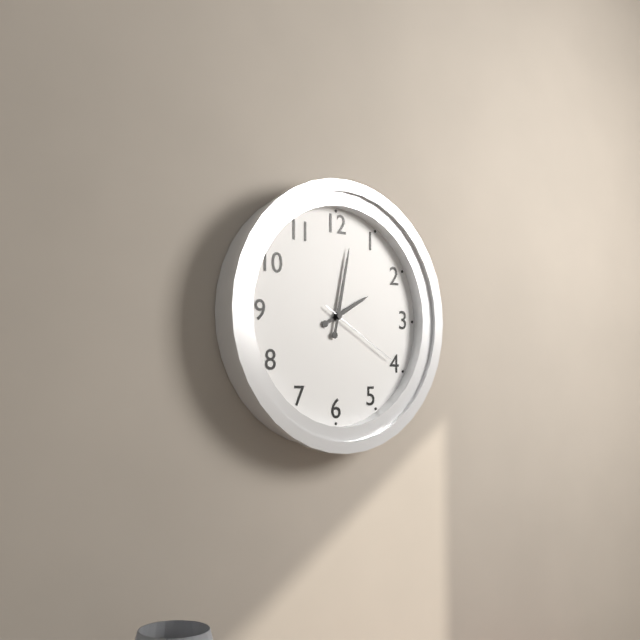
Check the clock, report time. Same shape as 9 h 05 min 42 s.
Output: 2 h 02 min 20 s
